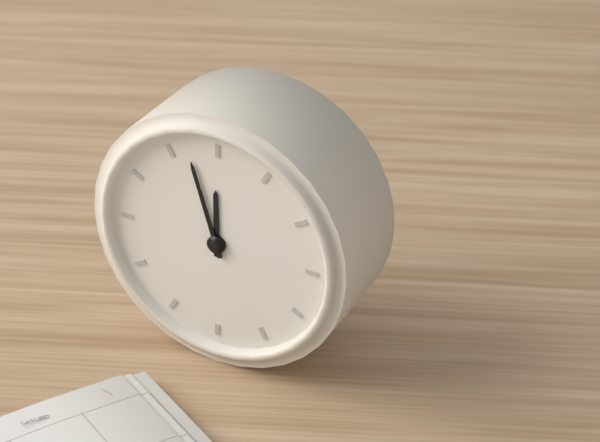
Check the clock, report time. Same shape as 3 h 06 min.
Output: 11 h 57 min
